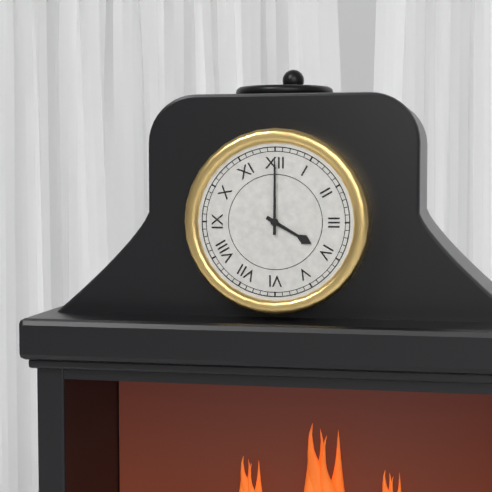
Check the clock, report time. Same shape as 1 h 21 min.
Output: 4 h 00 min
